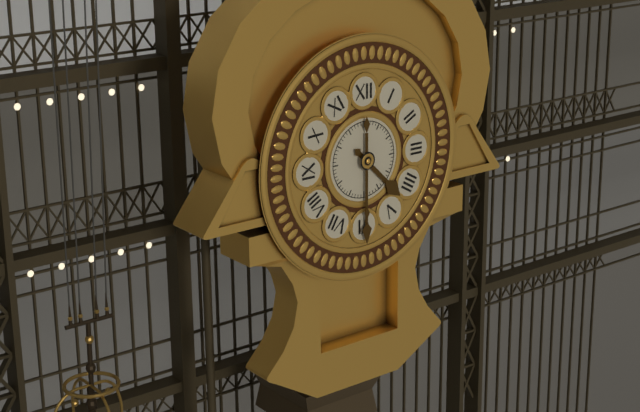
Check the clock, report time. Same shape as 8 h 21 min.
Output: 4 h 30 min
